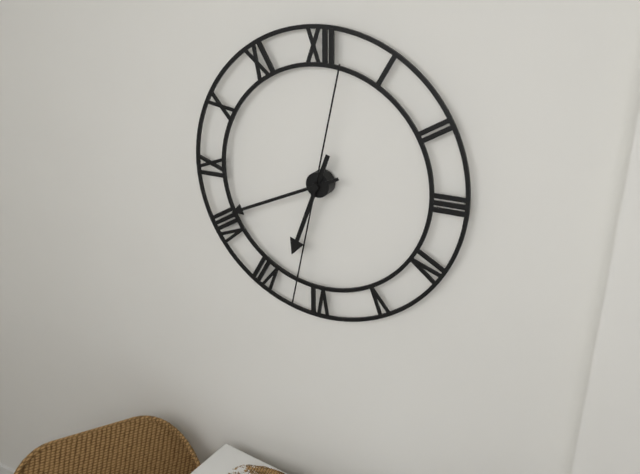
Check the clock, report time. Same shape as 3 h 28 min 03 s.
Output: 6 h 41 min 32 s
